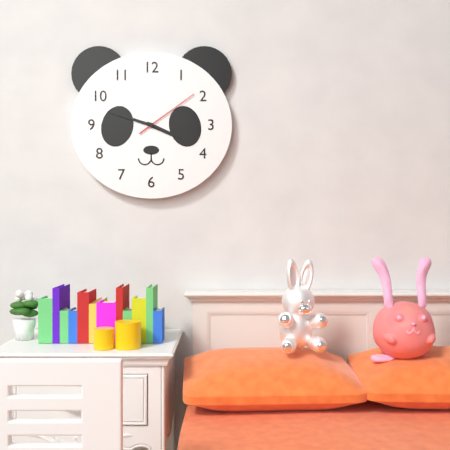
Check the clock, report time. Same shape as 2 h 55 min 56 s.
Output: 3 h 48 min 09 s
